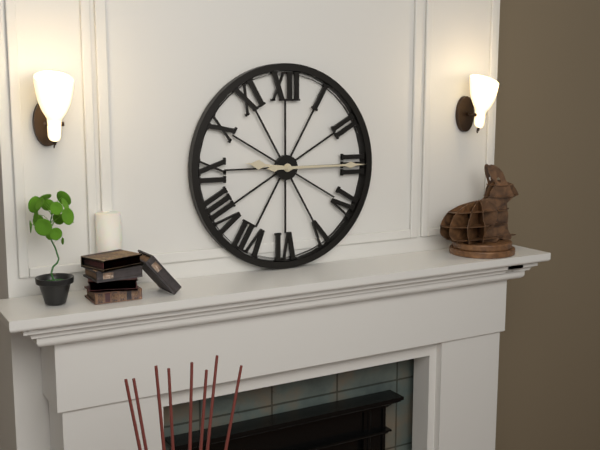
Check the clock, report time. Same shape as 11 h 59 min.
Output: 9 h 15 min
